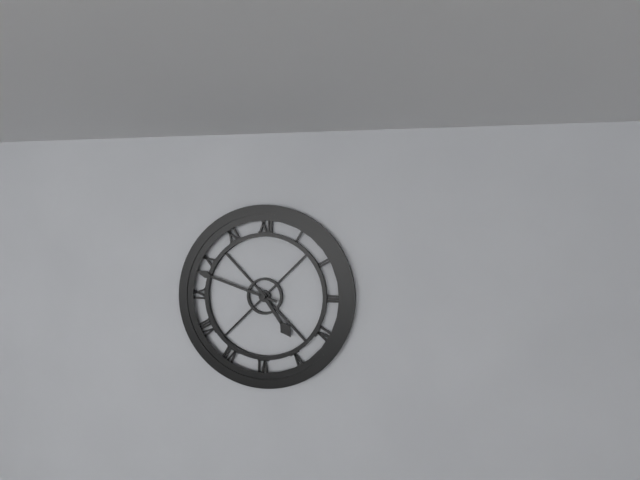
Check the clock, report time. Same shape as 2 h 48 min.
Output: 4 h 48 min
